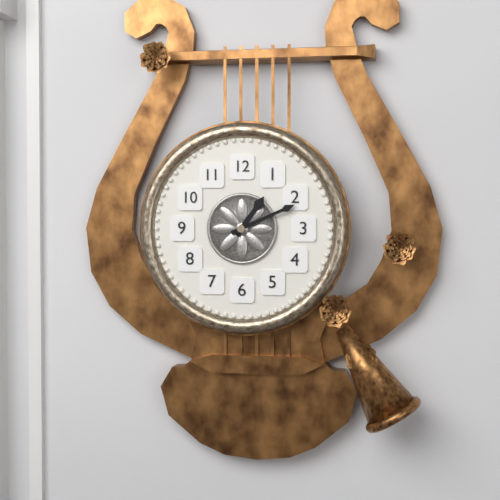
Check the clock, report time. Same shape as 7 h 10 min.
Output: 1 h 11 min
